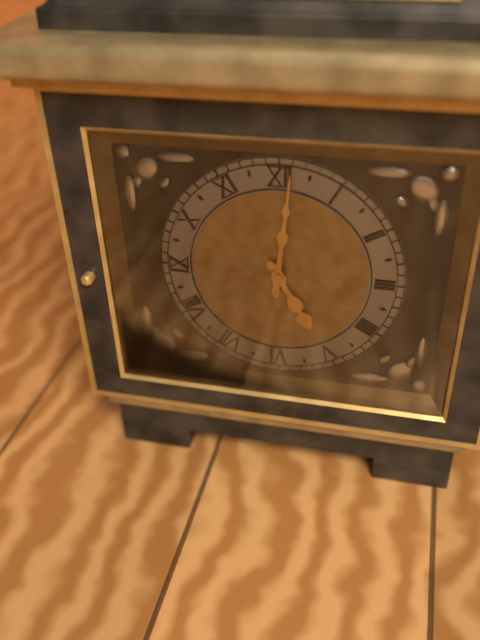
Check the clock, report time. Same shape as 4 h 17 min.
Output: 5 h 01 min
